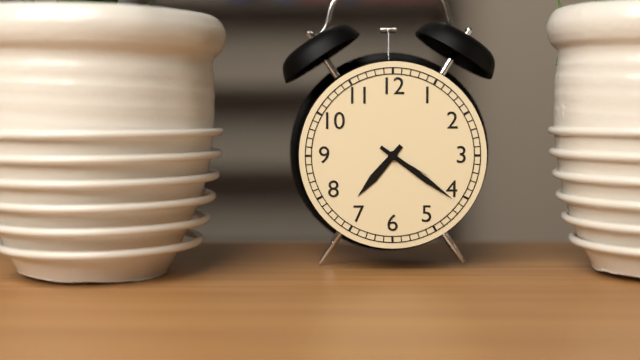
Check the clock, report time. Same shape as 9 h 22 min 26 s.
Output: 7 h 21 min 20 s
